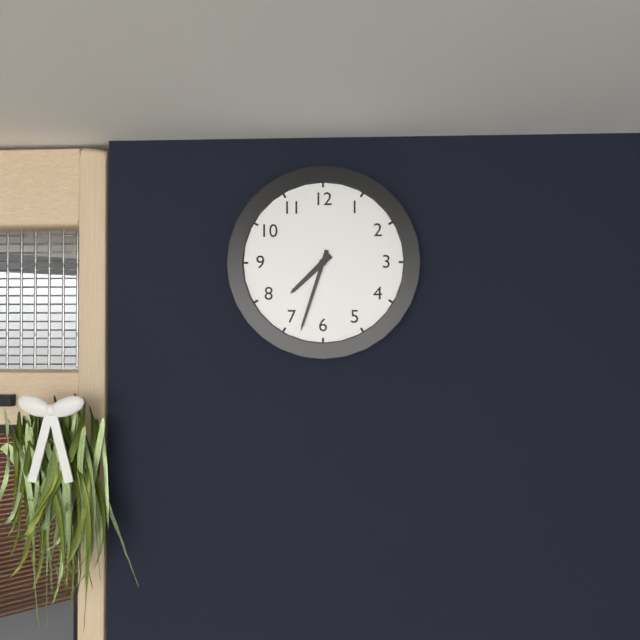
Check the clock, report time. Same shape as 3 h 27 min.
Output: 7 h 33 min
